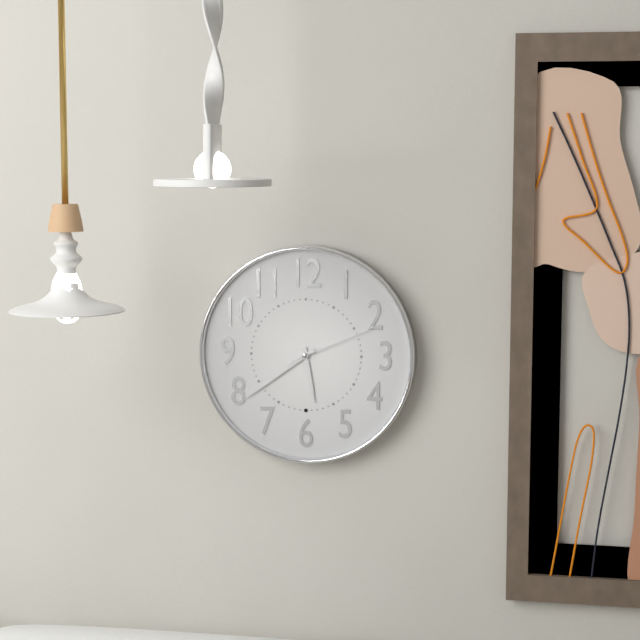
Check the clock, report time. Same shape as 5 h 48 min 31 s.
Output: 5 h 39 min 11 s
